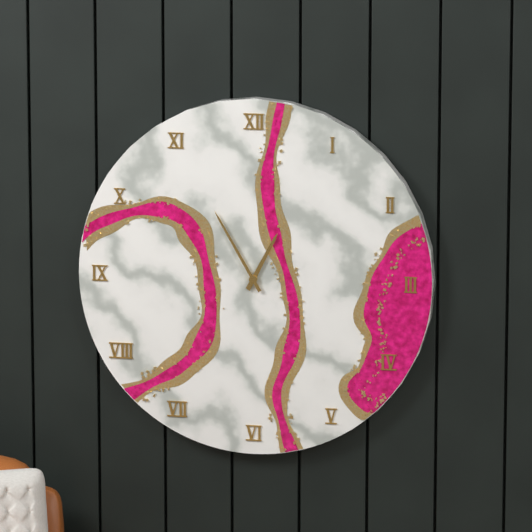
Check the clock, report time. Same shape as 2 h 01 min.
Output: 12 h 55 min
